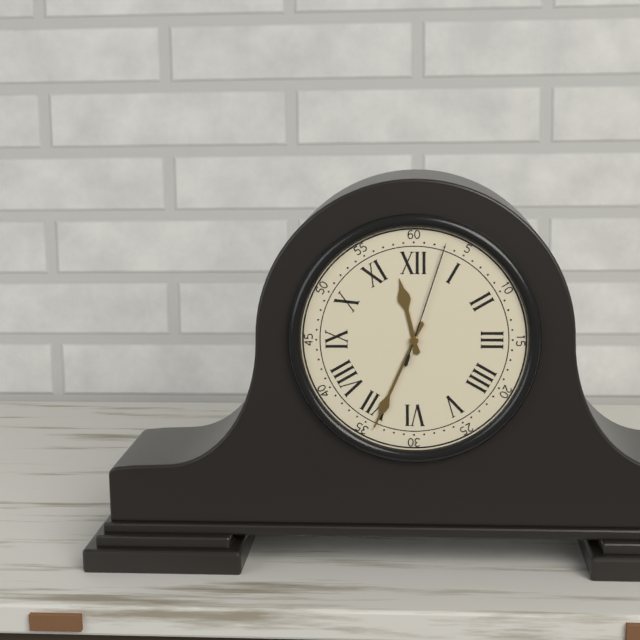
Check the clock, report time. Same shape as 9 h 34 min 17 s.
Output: 11 h 34 min 03 s
